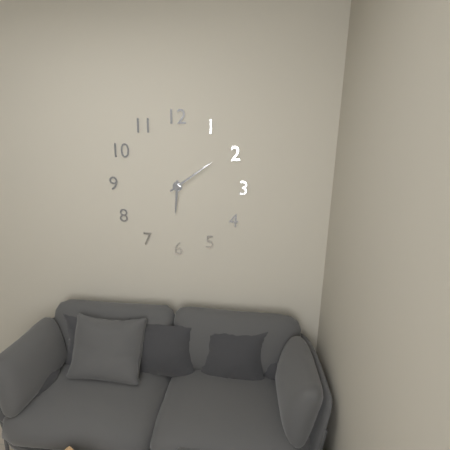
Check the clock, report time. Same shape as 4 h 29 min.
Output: 6 h 09 min
